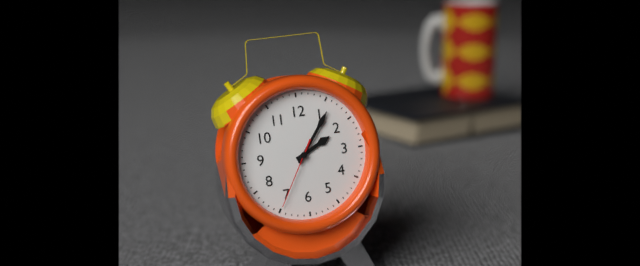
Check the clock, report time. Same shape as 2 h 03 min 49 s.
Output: 2 h 06 min 35 s
